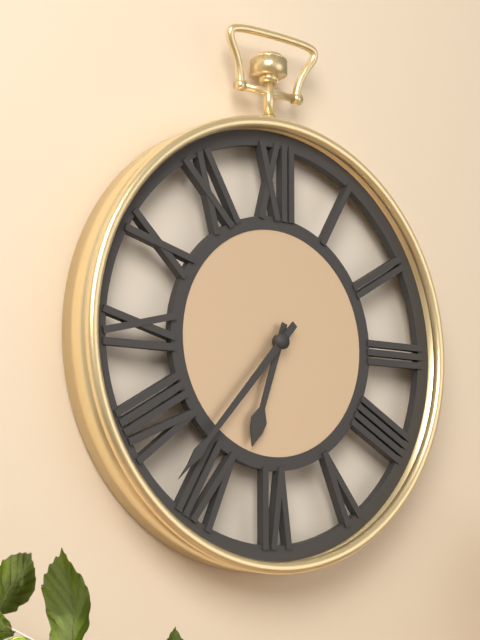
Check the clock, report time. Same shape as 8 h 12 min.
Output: 6 h 37 min
